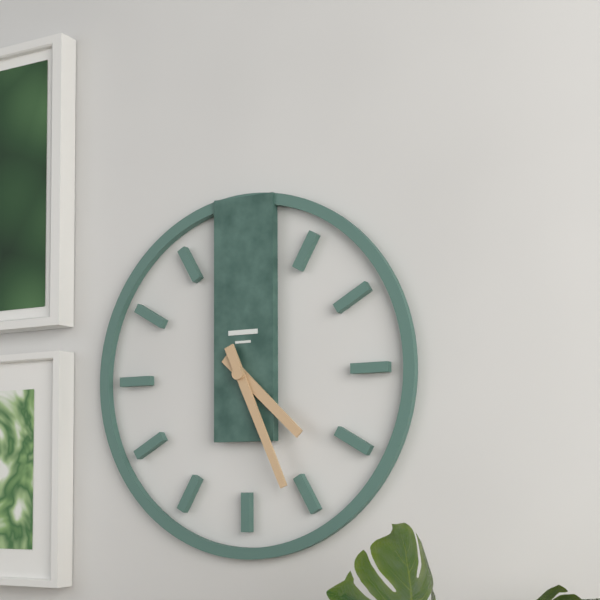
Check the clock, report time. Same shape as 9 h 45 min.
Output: 4 h 26 min
